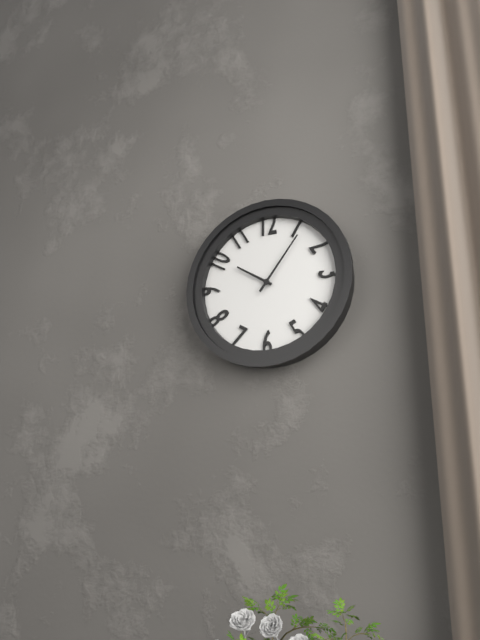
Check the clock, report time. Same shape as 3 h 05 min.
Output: 10 h 06 min
